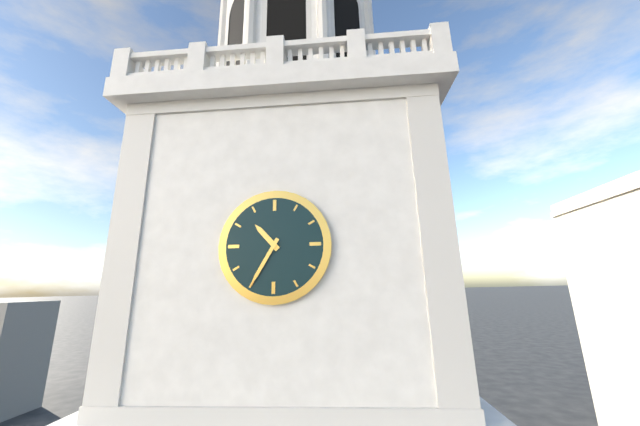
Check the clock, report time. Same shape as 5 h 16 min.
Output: 10 h 35 min
